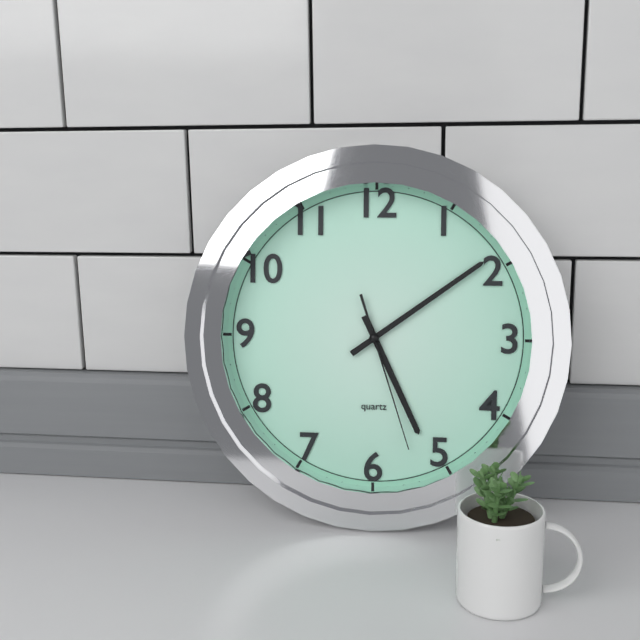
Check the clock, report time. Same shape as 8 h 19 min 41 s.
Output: 5 h 09 min 27 s
